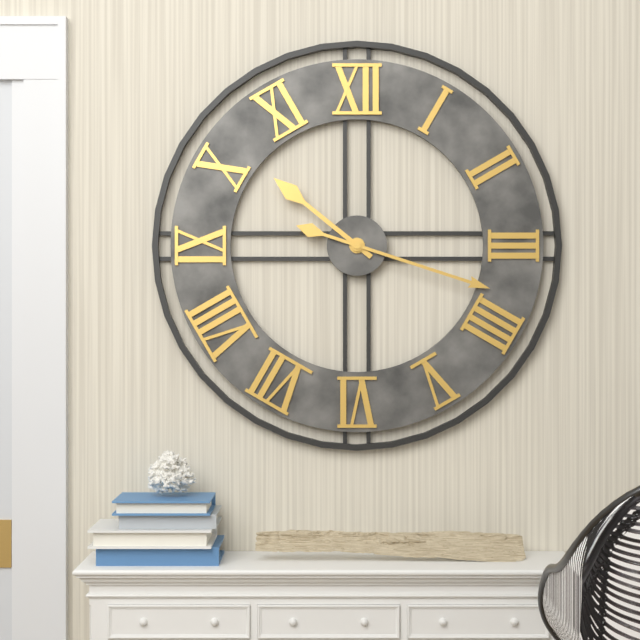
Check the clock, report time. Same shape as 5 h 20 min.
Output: 10 h 18 min
